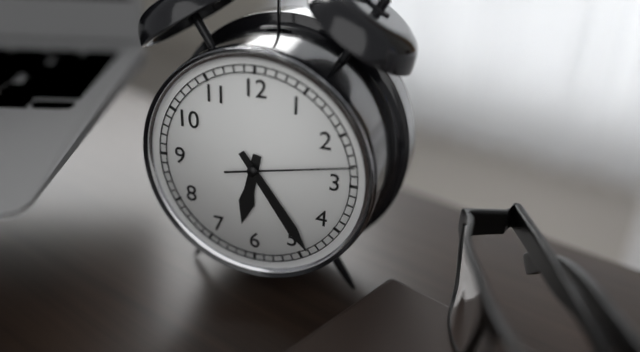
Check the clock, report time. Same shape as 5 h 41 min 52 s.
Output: 6 h 24 min 13 s
